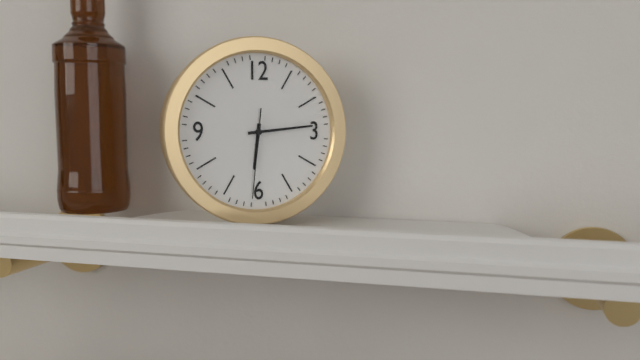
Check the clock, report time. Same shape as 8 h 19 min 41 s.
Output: 6 h 14 min 31 s
